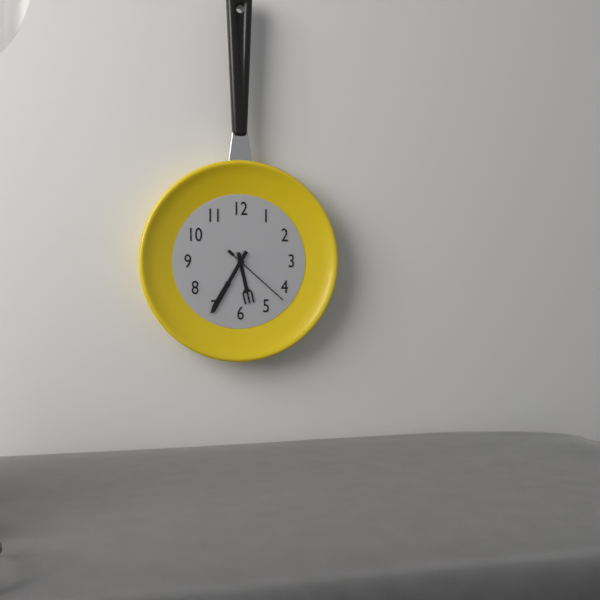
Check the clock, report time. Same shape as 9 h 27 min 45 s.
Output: 5 h 35 min 22 s
